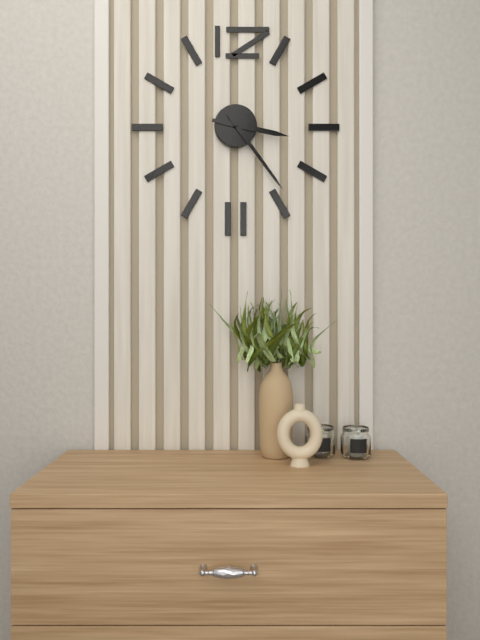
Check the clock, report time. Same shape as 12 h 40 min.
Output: 3 h 24 min
